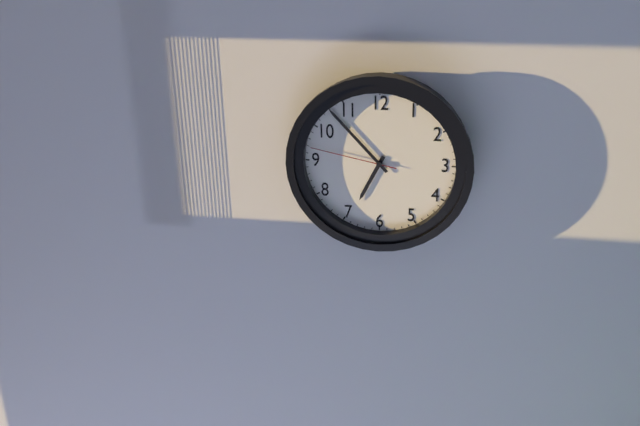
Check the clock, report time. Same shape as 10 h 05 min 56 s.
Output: 6 h 53 min 47 s
